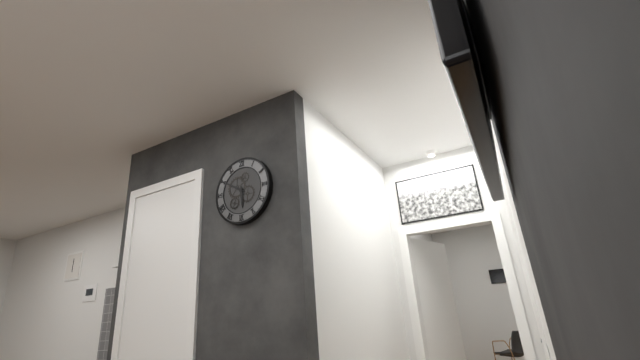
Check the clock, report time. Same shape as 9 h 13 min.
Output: 5 h 50 min
